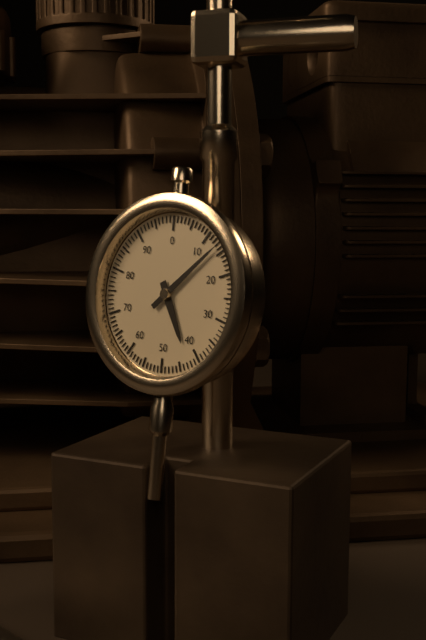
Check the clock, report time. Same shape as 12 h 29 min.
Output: 5 h 08 min
